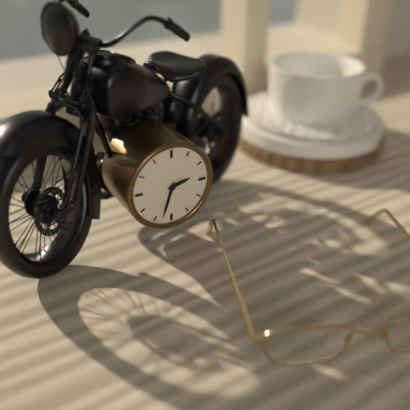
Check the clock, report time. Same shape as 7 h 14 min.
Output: 2 h 33 min
